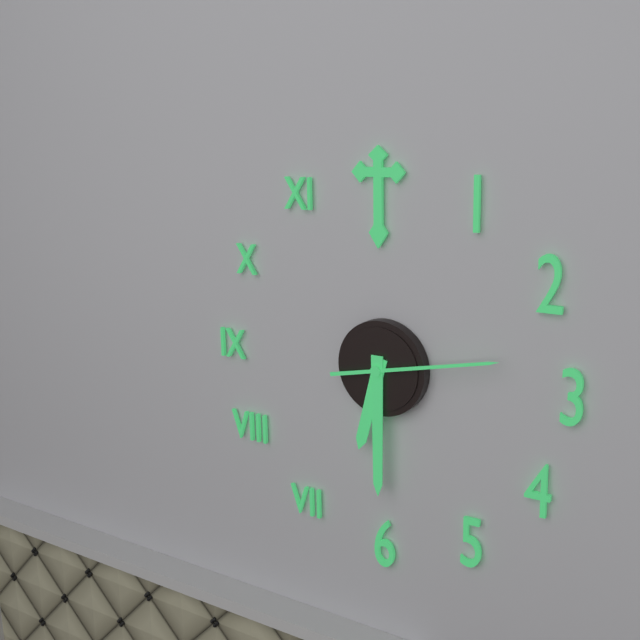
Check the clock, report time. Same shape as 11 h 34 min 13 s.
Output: 6 h 30 min 13 s
